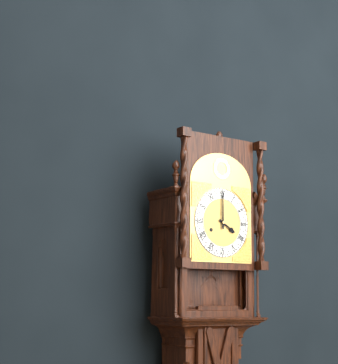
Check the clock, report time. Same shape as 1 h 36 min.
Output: 4 h 00 min
